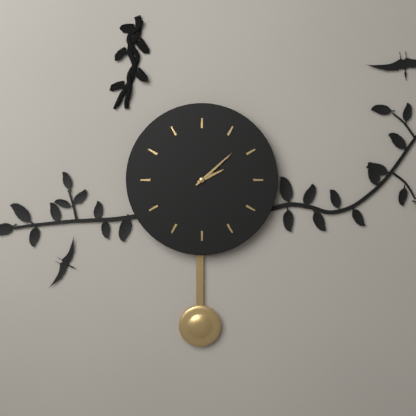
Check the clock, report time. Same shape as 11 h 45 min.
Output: 2 h 08 min
